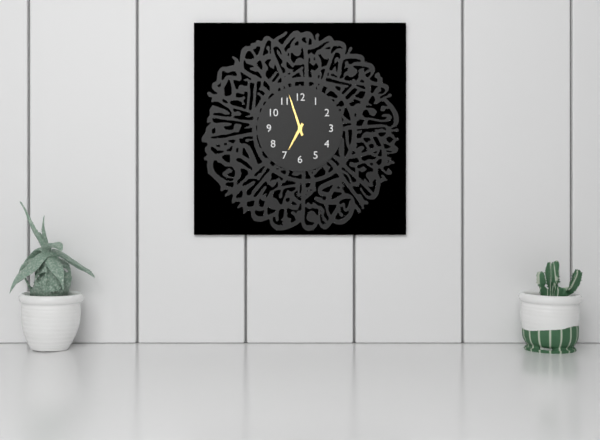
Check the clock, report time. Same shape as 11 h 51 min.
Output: 6 h 57 min
